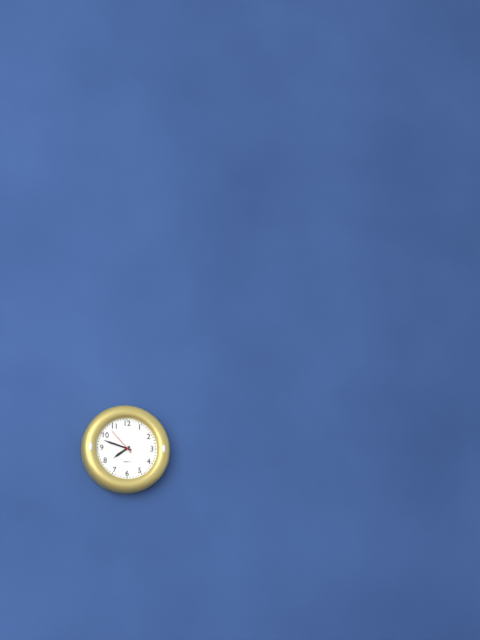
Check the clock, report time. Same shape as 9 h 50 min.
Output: 7 h 48 min
